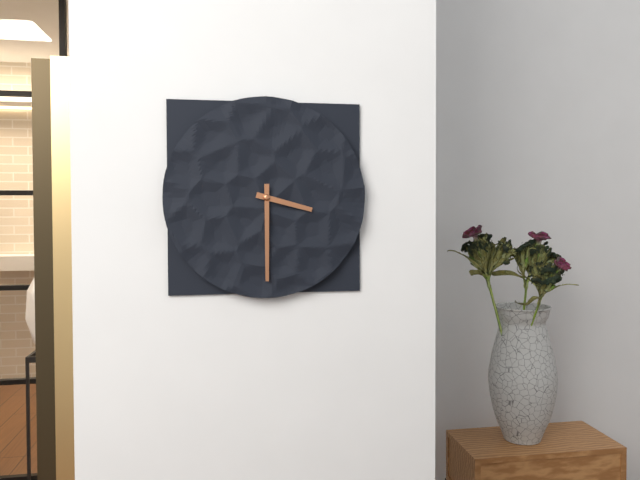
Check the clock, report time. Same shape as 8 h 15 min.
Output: 3 h 30 min
